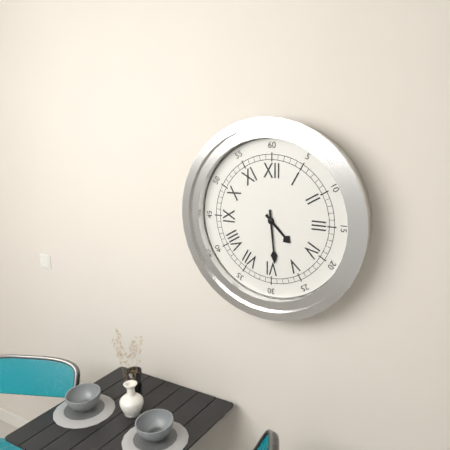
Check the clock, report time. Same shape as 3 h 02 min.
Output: 4 h 29 min
